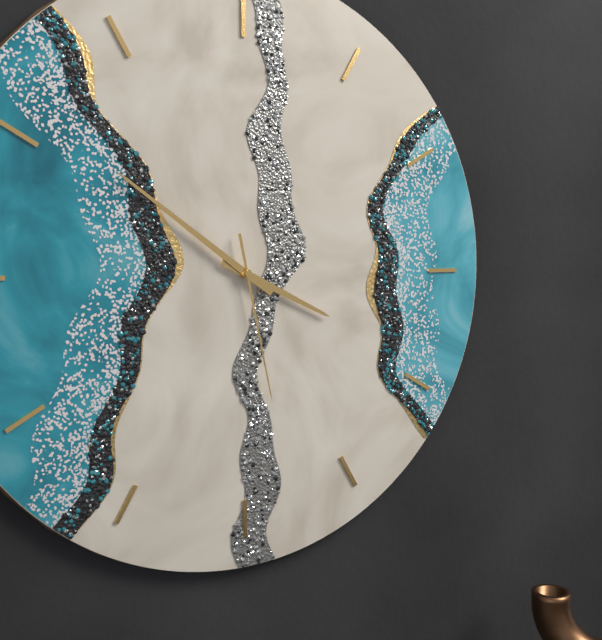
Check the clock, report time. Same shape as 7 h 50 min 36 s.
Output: 3 h 51 min 28 s
